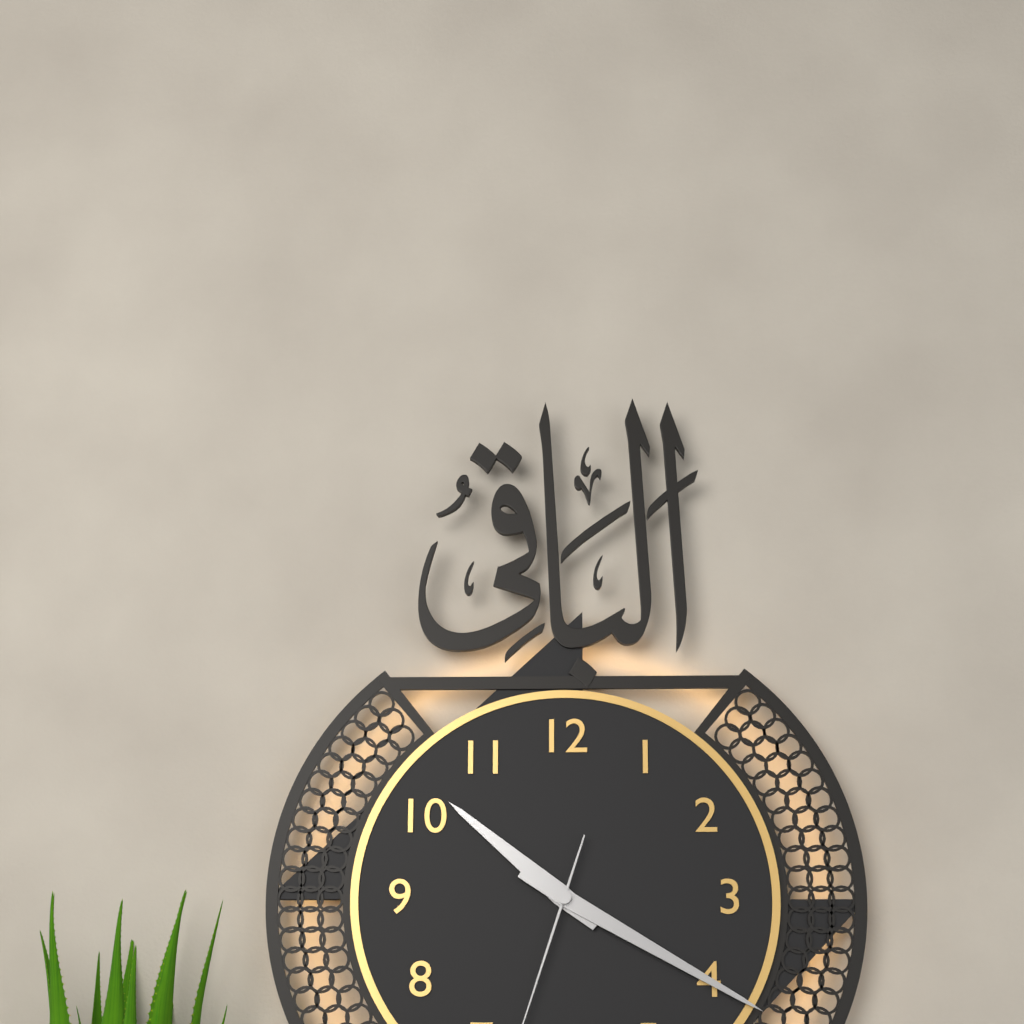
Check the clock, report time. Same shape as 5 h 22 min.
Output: 10 h 20 min
